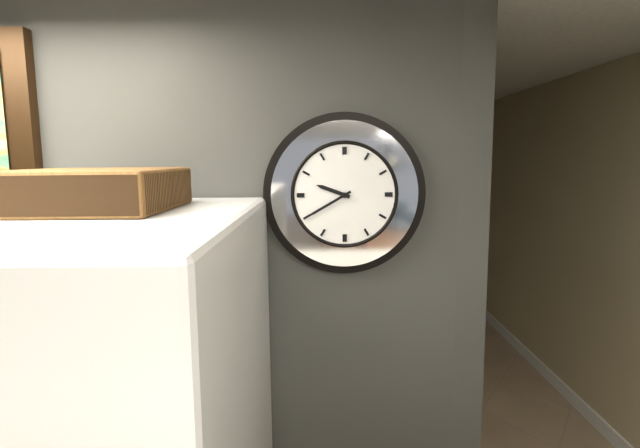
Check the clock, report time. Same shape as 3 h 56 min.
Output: 9 h 40 min
